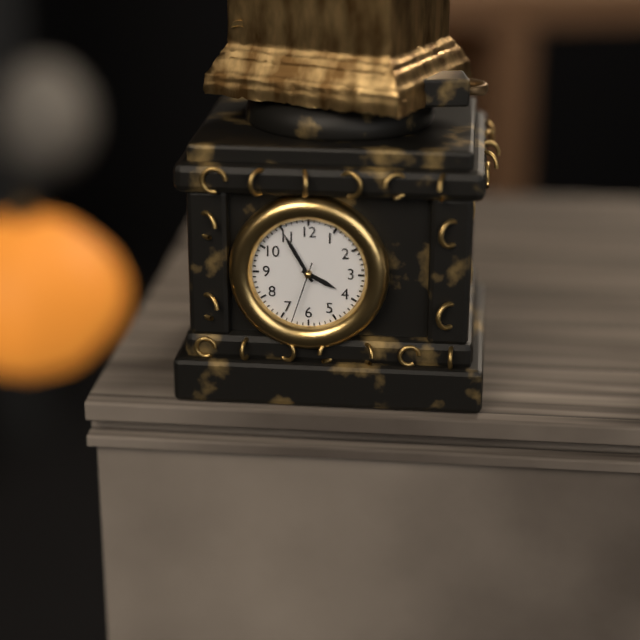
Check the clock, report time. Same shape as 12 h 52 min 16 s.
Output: 3 h 55 min 33 s
